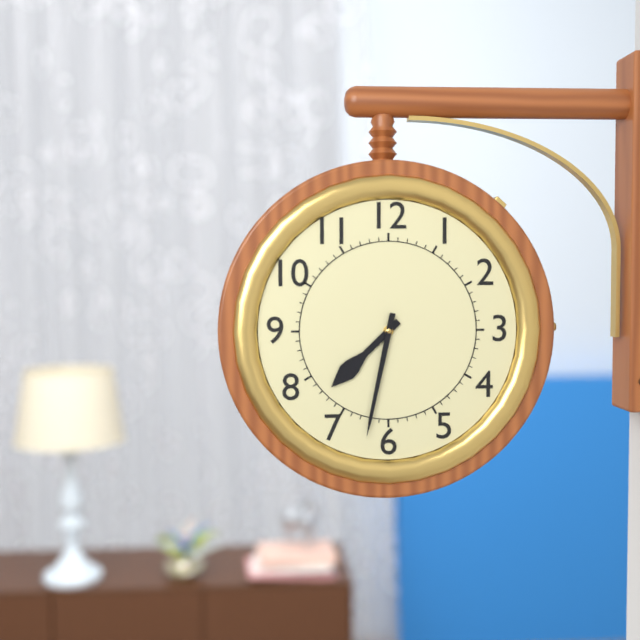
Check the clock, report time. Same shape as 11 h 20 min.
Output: 7 h 32 min
